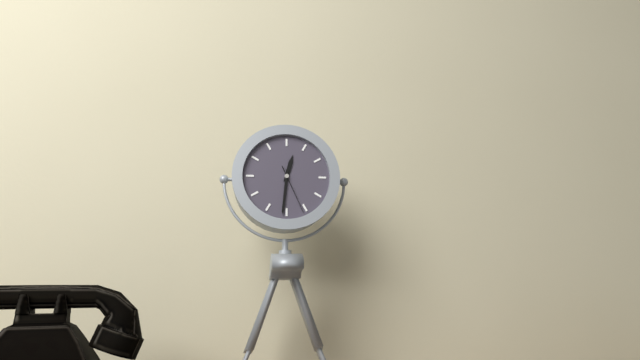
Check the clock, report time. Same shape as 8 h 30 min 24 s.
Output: 12 h 31 min 26 s
